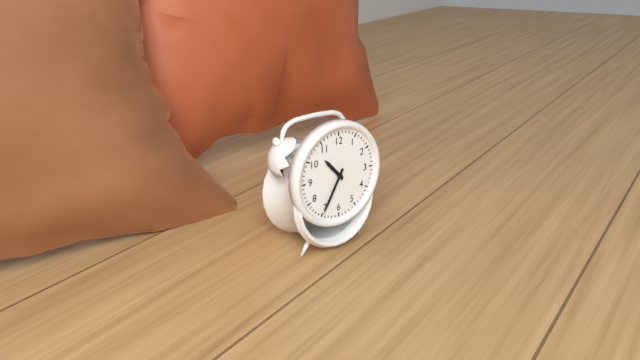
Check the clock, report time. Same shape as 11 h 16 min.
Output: 10 h 35 min
